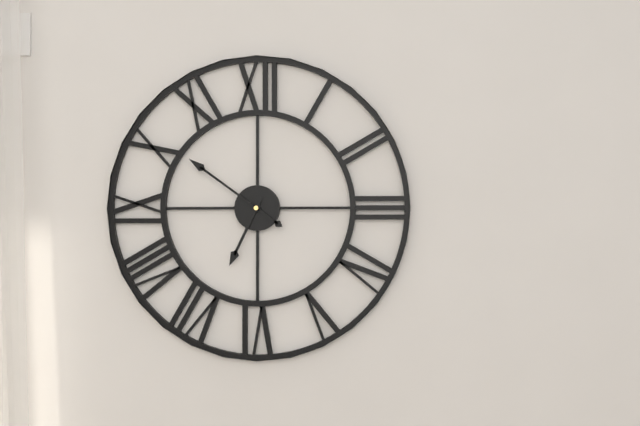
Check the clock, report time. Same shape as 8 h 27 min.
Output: 6 h 51 min
